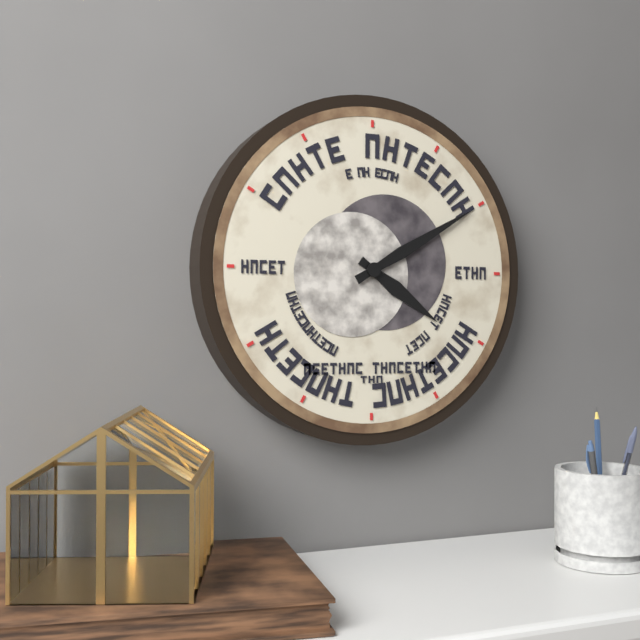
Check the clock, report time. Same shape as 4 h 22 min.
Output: 4 h 10 min
